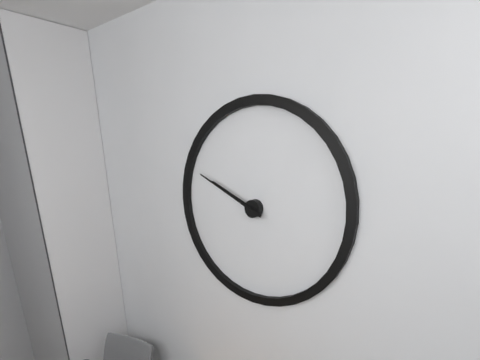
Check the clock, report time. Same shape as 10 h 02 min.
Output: 9 h 49 min
